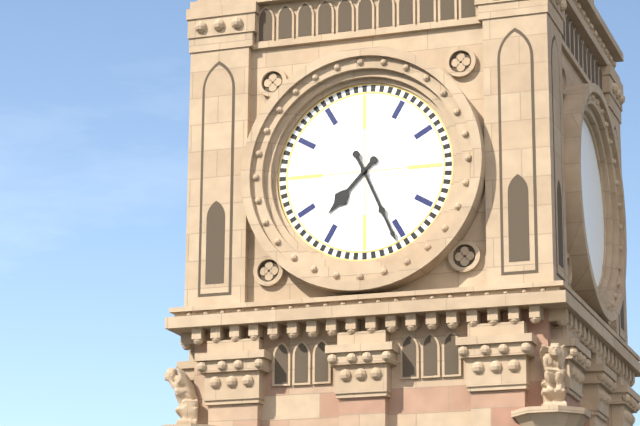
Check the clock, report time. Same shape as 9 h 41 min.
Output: 7 h 26 min
